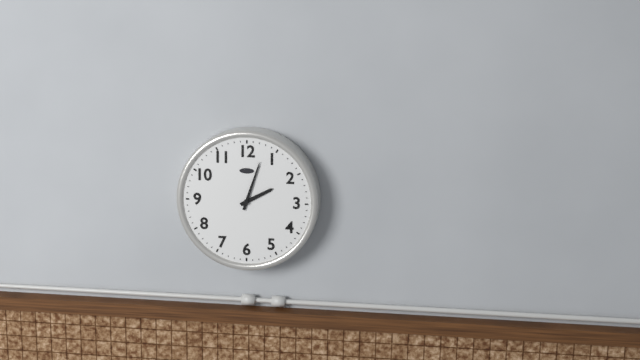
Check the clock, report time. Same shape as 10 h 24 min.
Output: 2 h 03 min
